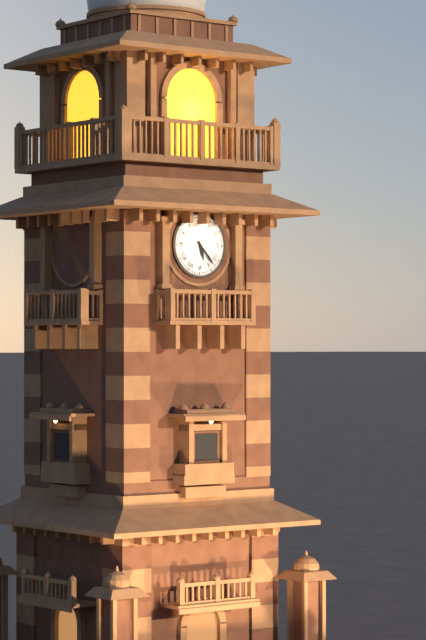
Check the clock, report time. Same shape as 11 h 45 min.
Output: 5 h 23 min
